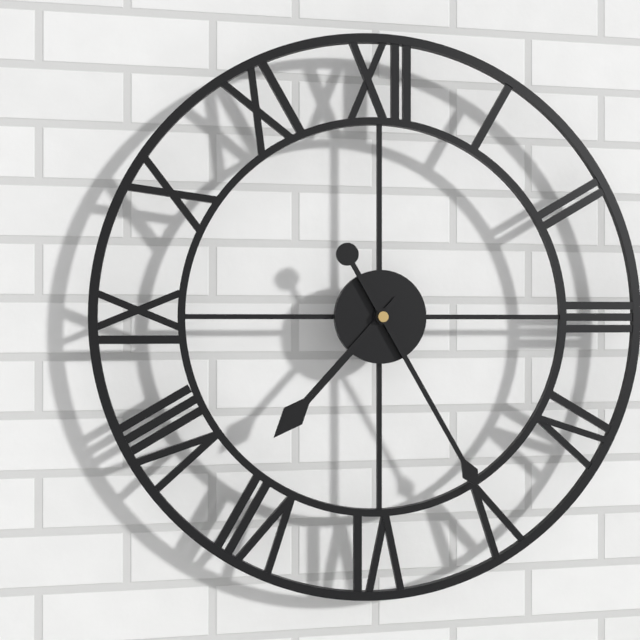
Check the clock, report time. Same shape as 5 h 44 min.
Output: 7 h 25 min
